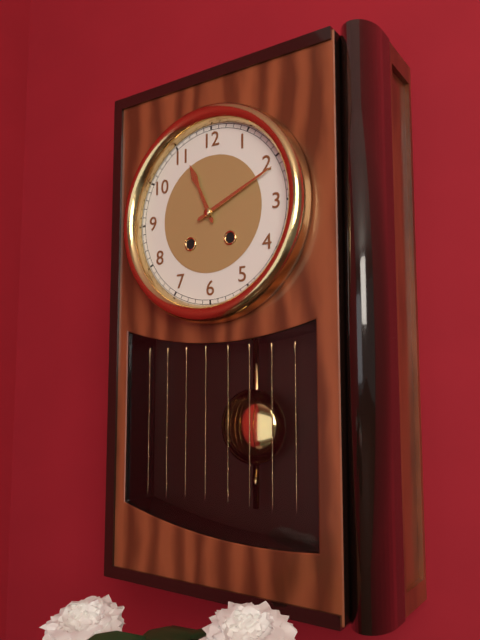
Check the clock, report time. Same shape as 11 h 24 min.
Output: 11 h 11 min
